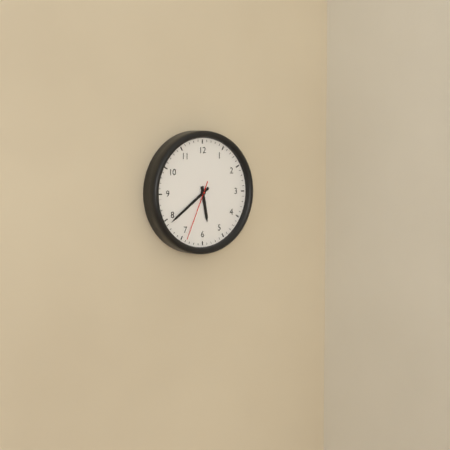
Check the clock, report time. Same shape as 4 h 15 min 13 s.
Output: 5 h 39 min 34 s
